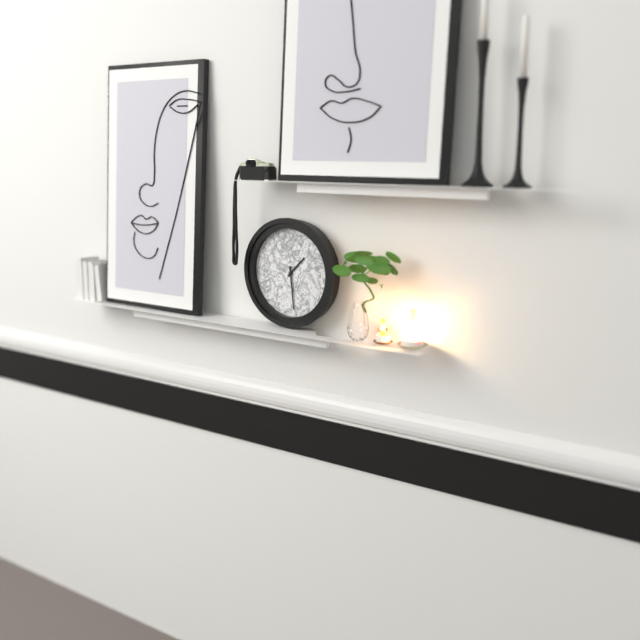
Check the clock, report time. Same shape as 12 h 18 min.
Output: 1 h 29 min
